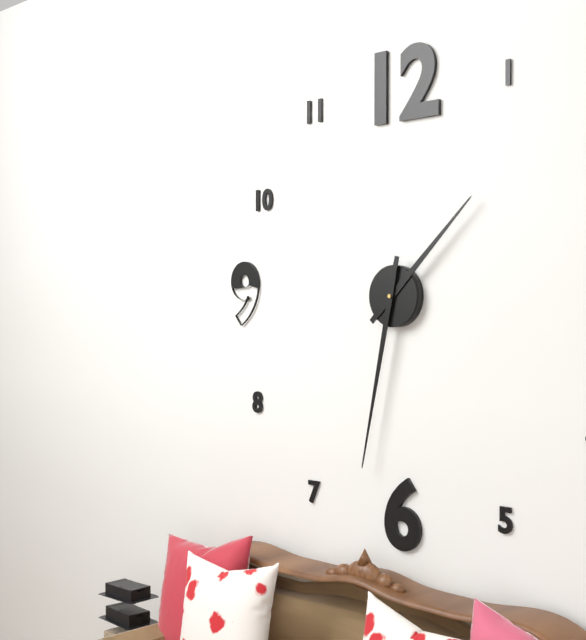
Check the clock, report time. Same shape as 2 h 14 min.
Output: 1 h 32 min
